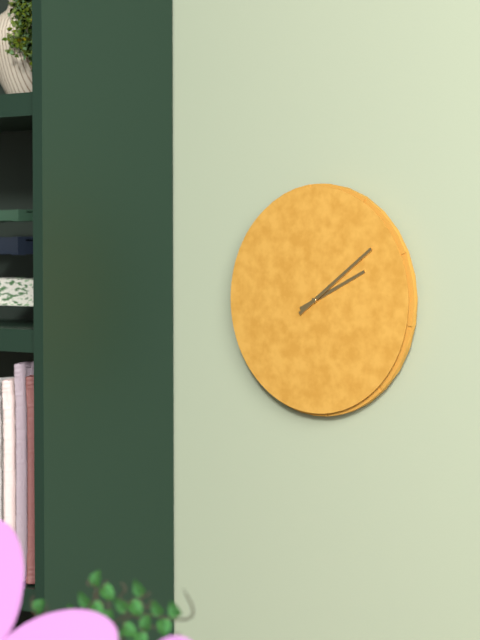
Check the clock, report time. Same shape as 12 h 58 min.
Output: 2 h 09 min
